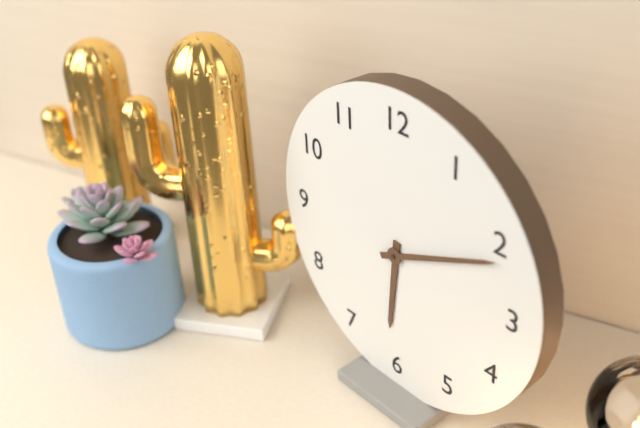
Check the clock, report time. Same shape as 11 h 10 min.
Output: 6 h 11 min
